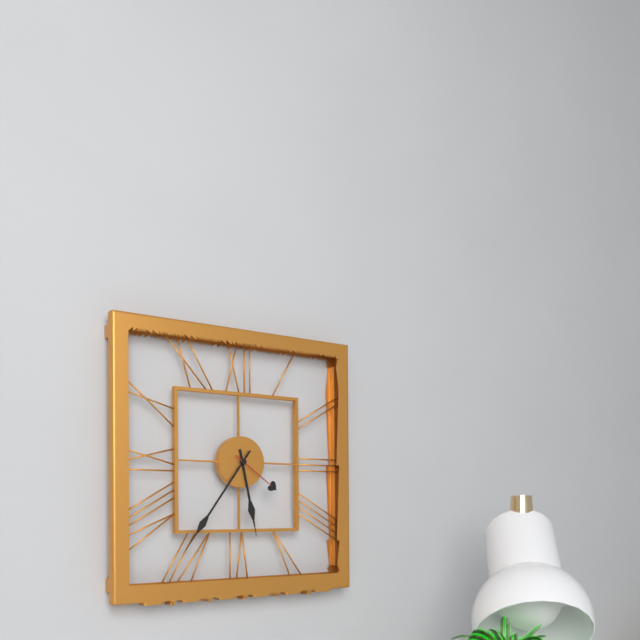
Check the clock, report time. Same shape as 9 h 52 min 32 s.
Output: 5 h 36 min 21 s
